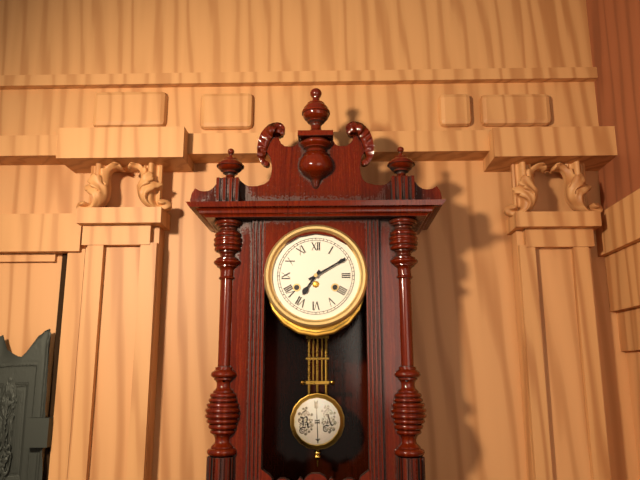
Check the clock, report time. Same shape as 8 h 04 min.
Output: 7 h 10 min
